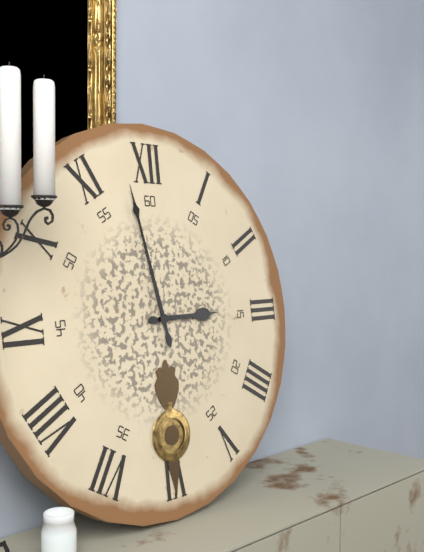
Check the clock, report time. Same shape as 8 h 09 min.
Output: 2 h 58 min
